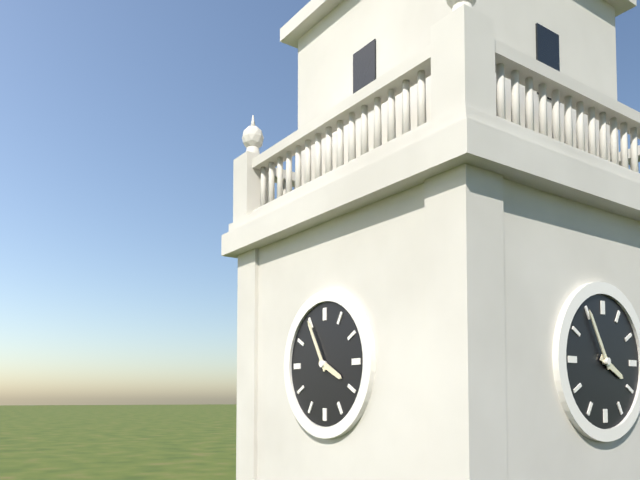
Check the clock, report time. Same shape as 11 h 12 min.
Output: 3 h 55 min
